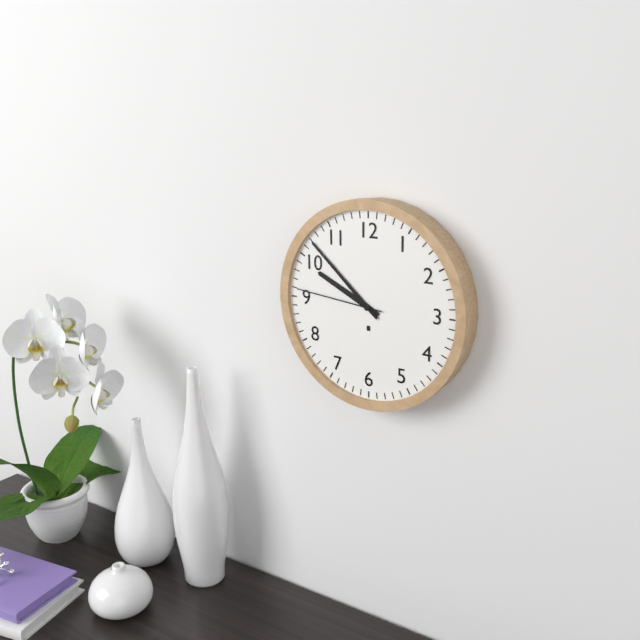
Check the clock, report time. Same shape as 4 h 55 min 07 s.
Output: 9 h 52 min 46 s
